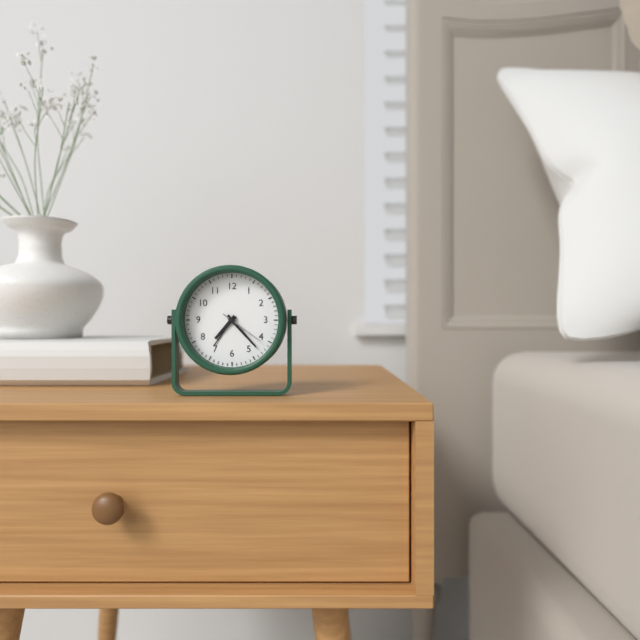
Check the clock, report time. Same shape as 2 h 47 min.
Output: 7 h 23 min
